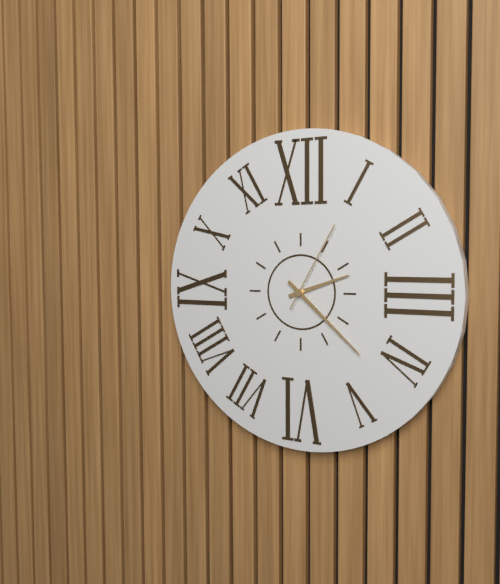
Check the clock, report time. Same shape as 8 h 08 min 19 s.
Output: 2 h 22 min 05 s
